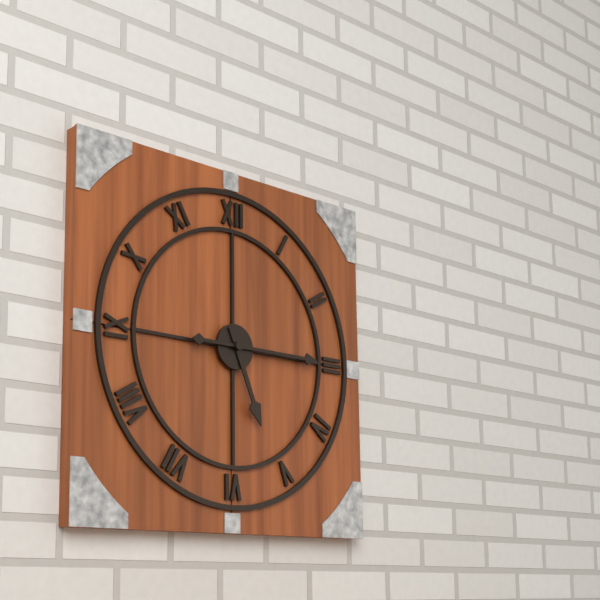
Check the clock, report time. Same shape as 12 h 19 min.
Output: 5 h 15 min
